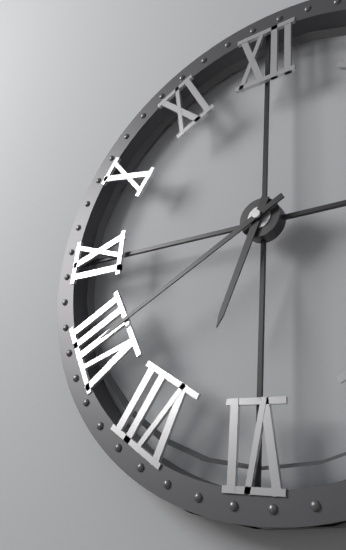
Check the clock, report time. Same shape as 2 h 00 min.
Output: 6 h 40 min
